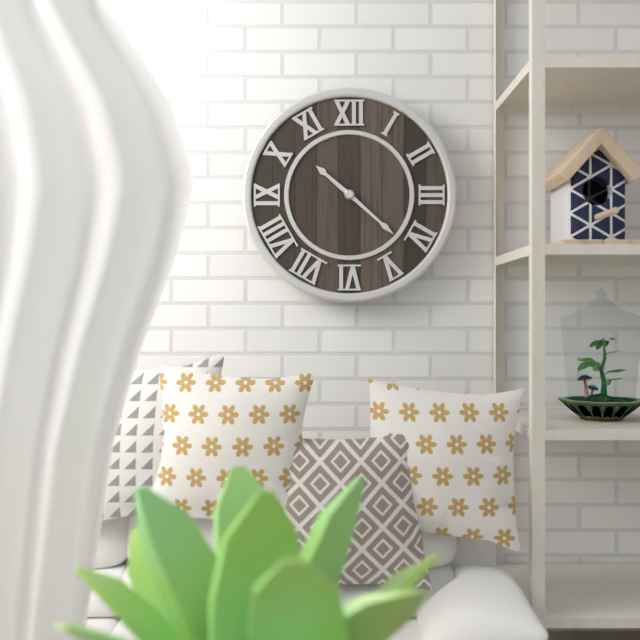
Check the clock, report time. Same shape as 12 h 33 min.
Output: 10 h 22 min
